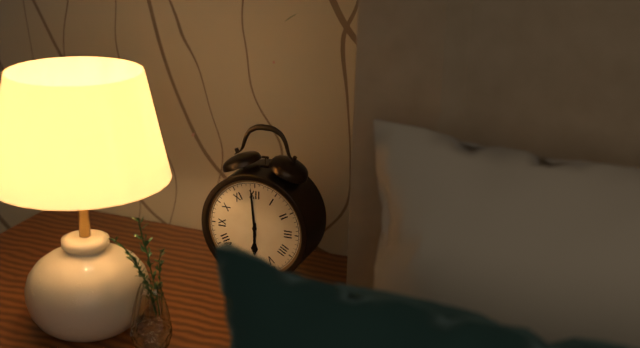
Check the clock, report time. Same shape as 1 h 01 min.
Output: 5 h 59 min
